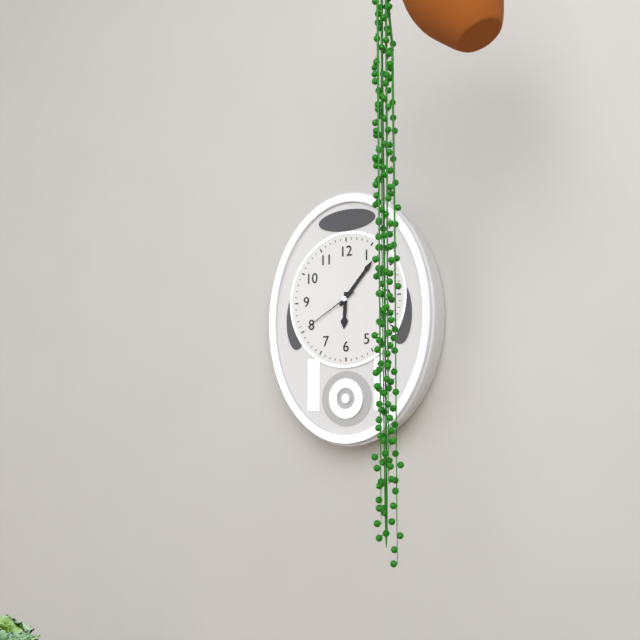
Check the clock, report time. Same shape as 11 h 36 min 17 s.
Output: 6 h 07 min 40 s
